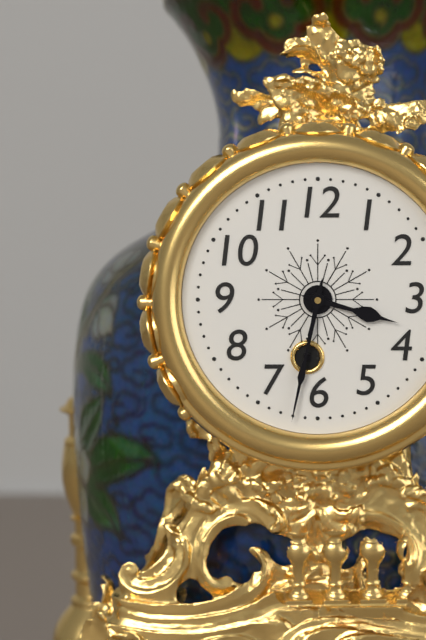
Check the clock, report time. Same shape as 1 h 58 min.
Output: 3 h 32 min
